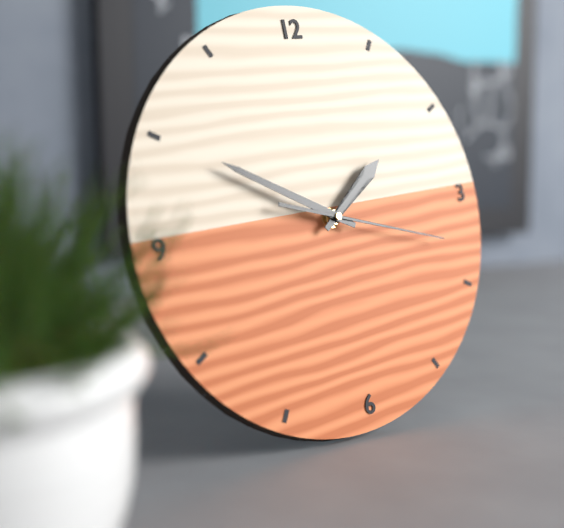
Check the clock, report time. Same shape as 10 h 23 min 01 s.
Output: 1 h 50 min 18 s
